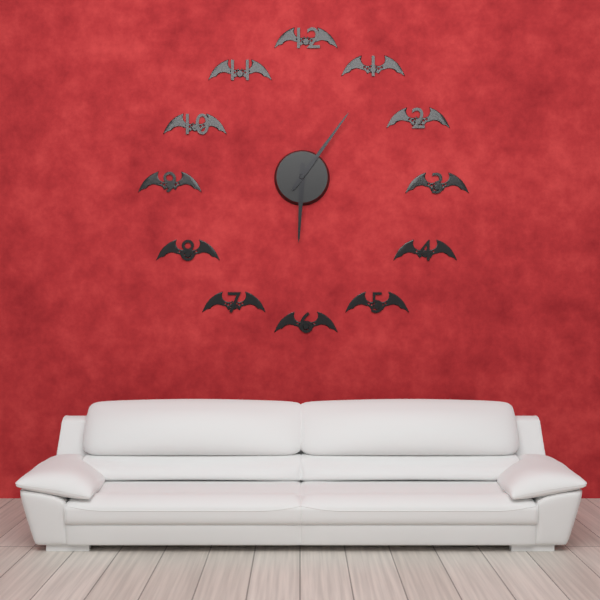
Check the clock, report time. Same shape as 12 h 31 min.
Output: 6 h 06 min
